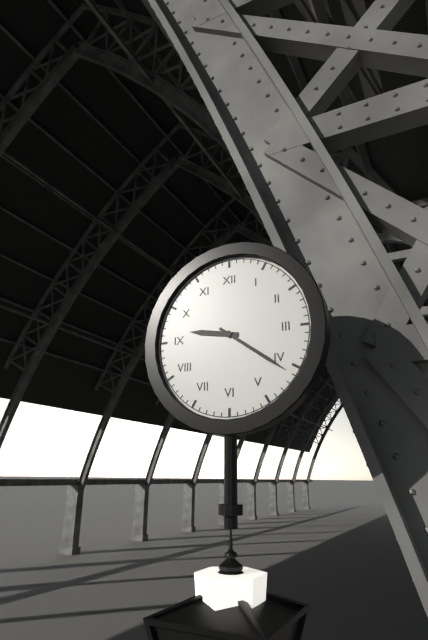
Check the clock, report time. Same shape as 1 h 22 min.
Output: 9 h 21 min
